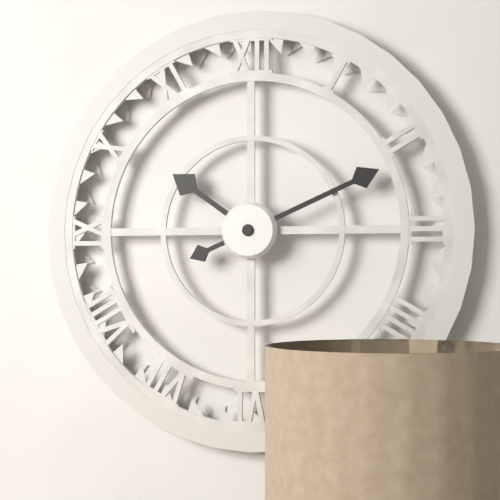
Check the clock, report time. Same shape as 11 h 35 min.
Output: 10 h 11 min
